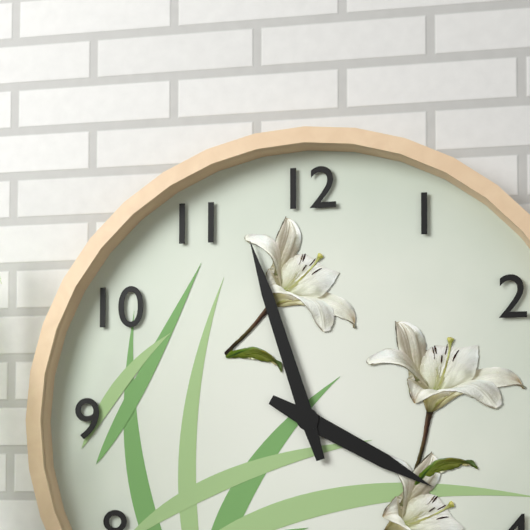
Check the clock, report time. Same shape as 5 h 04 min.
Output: 3 h 57 min
